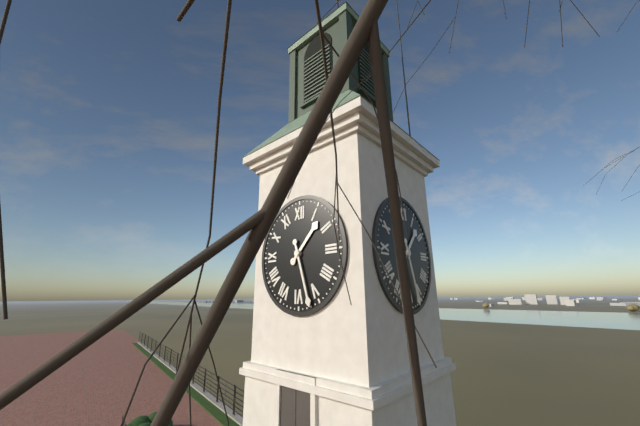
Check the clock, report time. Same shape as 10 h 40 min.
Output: 1 h 27 min
